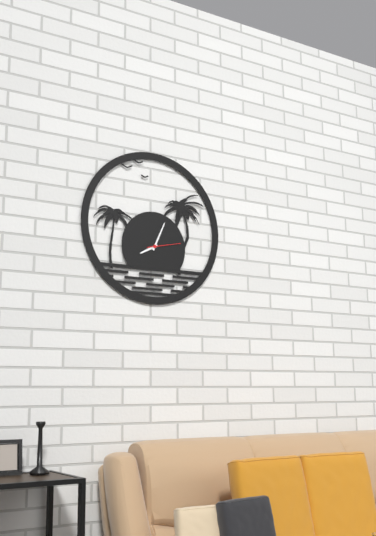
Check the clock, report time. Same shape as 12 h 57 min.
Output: 8 h 04 min
